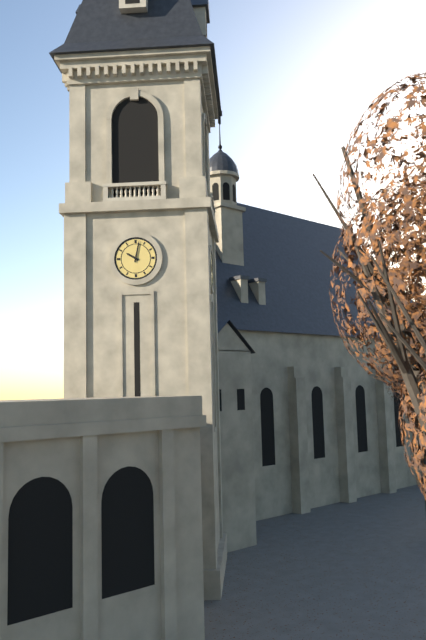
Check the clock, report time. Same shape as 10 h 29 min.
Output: 10 h 02 min
